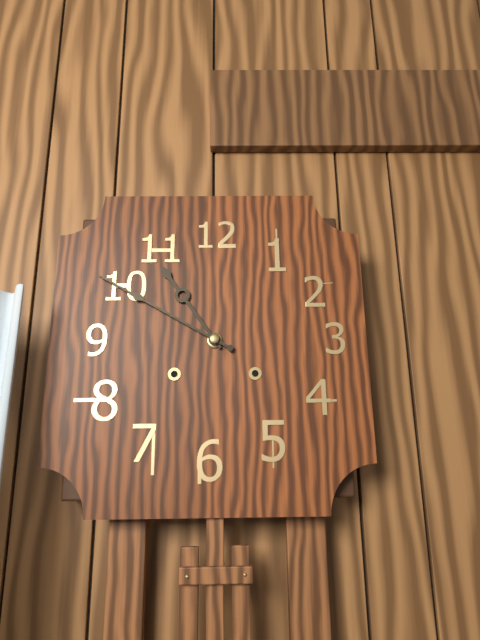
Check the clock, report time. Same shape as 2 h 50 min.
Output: 10 h 50 min
